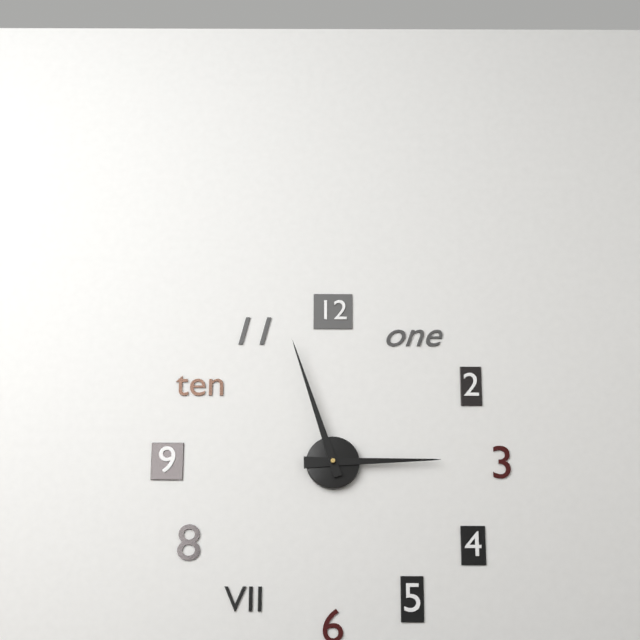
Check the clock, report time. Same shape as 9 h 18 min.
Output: 2 h 57 min
